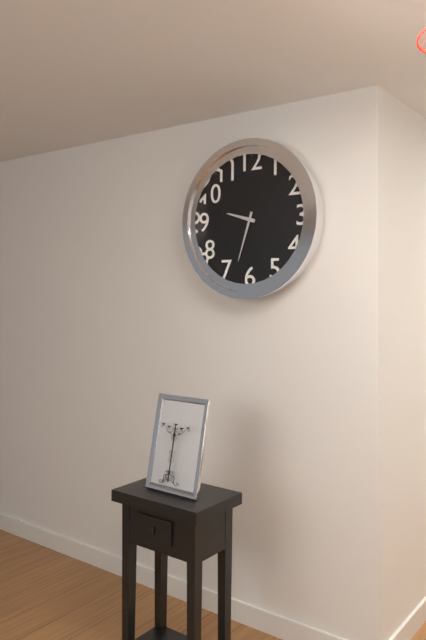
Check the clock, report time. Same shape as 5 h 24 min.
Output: 9 h 33 min
